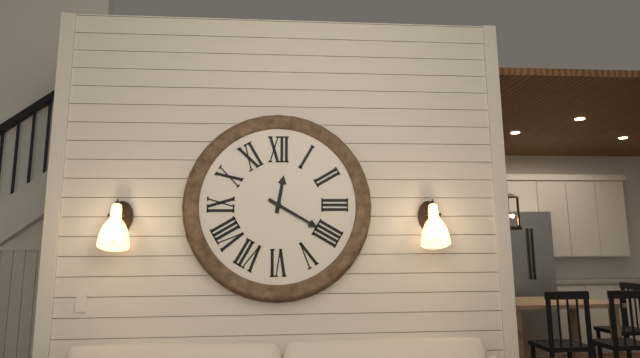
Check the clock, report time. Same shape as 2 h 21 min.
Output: 12 h 20 min
